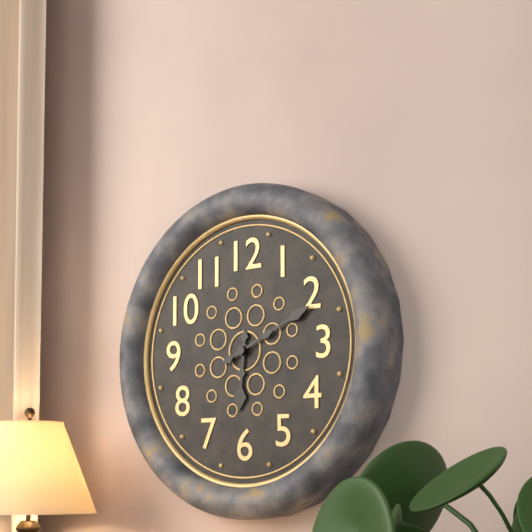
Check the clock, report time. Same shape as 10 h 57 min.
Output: 6 h 11 min
